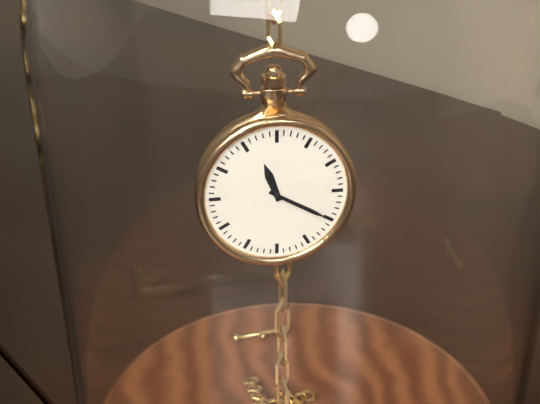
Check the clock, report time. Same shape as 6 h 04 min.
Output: 11 h 20 min
